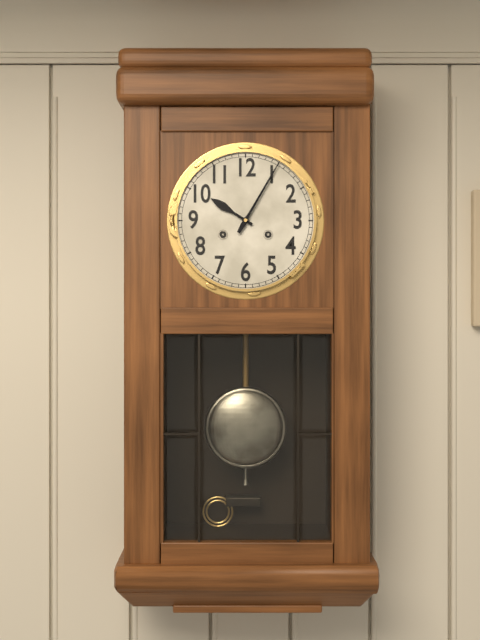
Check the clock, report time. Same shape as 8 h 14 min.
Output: 10 h 05 min
